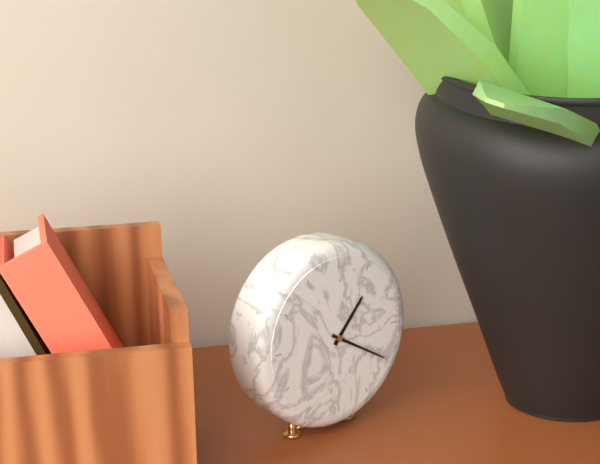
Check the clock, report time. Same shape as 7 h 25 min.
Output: 1 h 20 min
